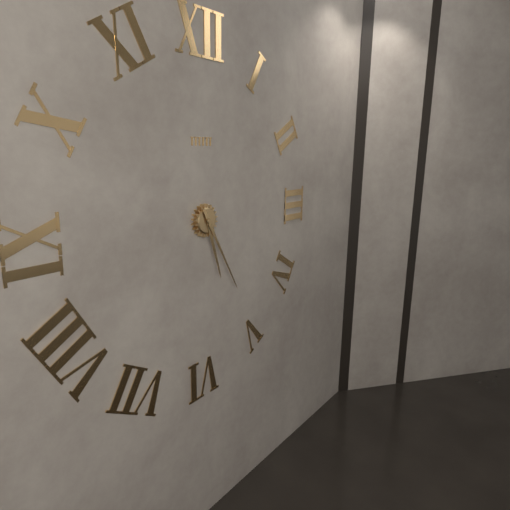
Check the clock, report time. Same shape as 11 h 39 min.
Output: 5 h 25 min
